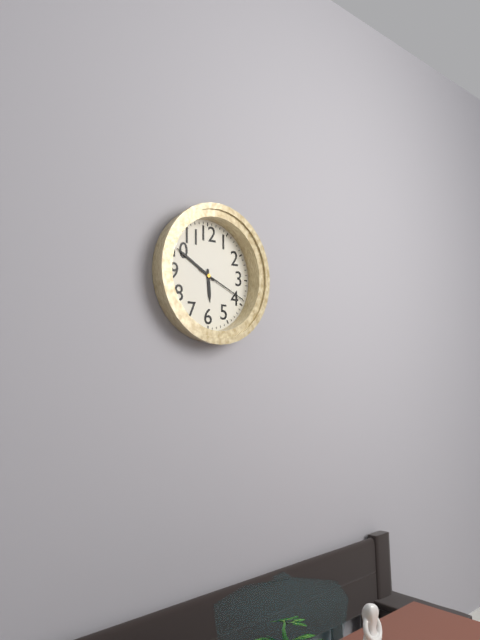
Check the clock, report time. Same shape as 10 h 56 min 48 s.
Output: 5 h 50 min 19 s
